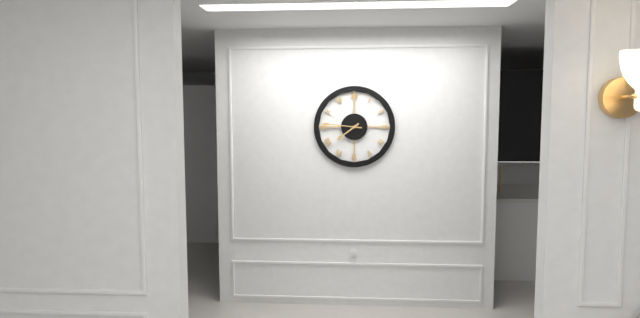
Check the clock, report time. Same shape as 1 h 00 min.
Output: 7 h 46 min
